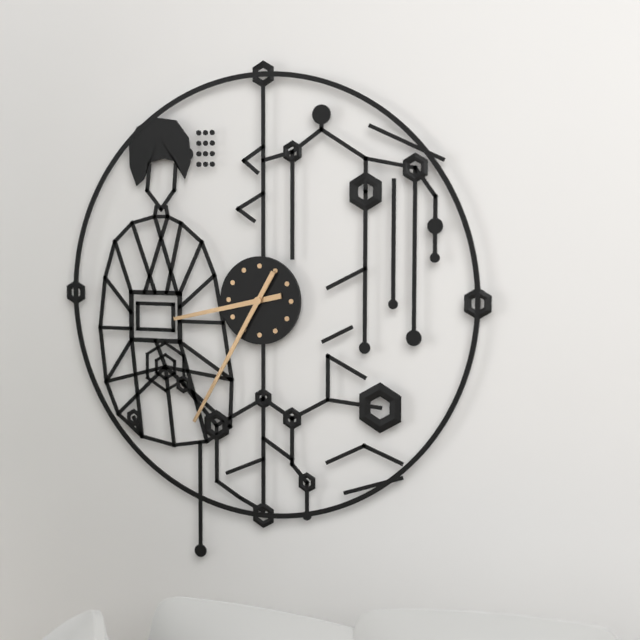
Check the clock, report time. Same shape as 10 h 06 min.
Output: 8 h 35 min
